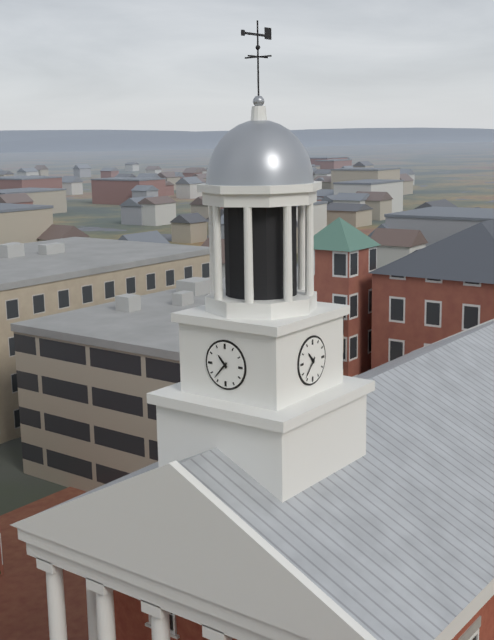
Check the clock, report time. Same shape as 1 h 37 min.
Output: 10 h 37 min
